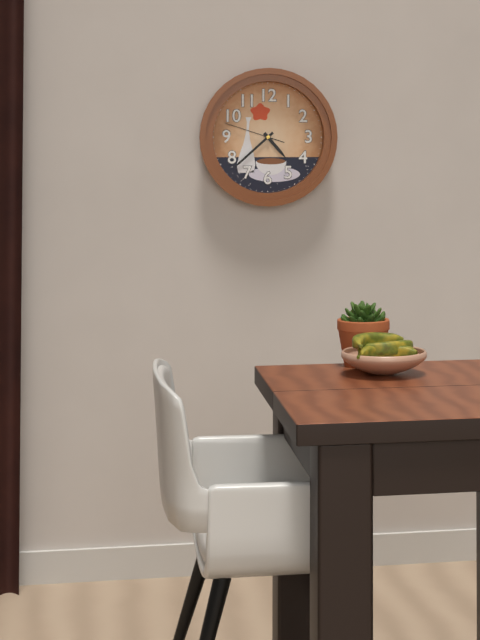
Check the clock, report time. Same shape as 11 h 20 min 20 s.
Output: 4 h 38 min 48 s
